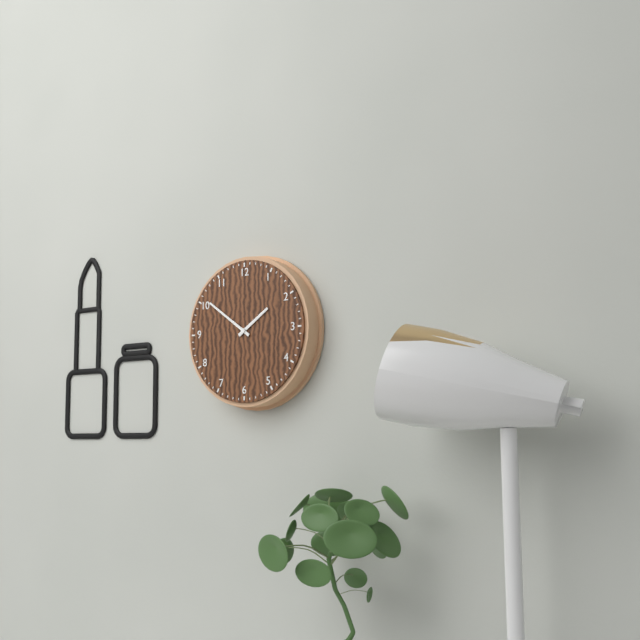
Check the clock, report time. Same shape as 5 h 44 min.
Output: 1 h 51 min
